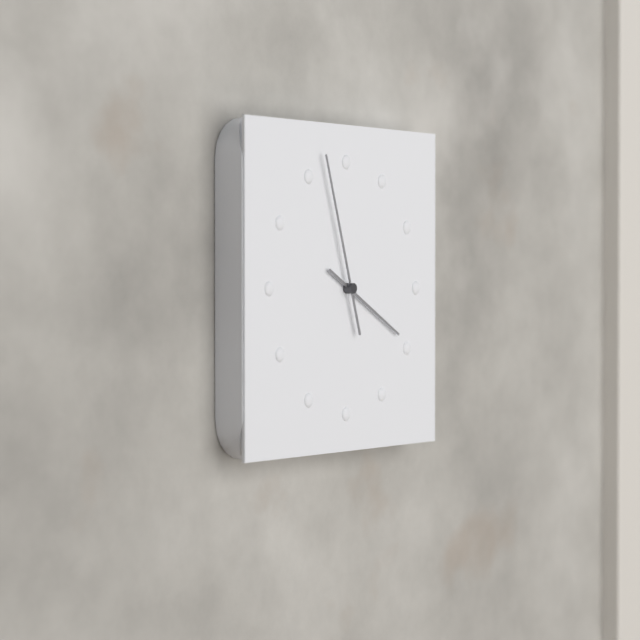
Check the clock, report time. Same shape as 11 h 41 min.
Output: 3 h 57 min
